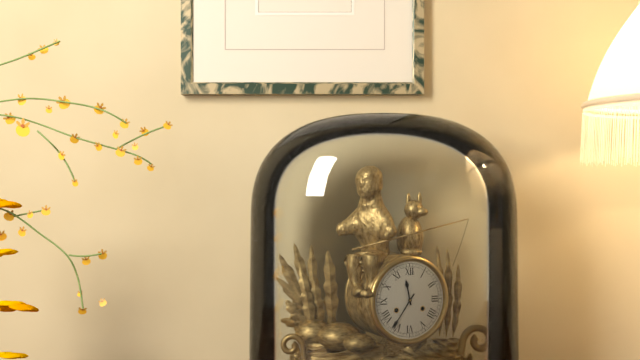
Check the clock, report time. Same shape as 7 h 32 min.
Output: 11 h 36 min
